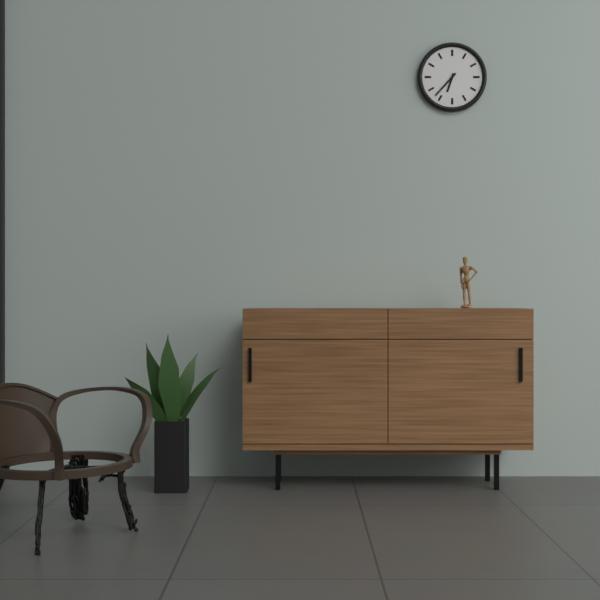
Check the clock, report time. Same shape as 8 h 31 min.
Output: 6 h 37 min
